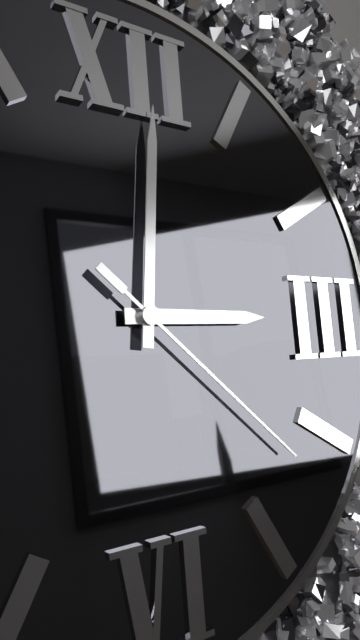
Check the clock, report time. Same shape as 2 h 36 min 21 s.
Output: 3 h 01 min 22 s
